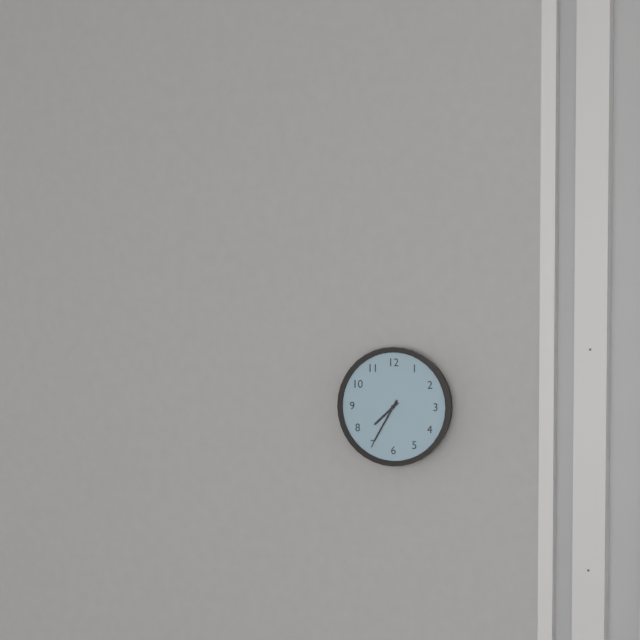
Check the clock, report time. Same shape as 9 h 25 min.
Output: 7 h 35 min
